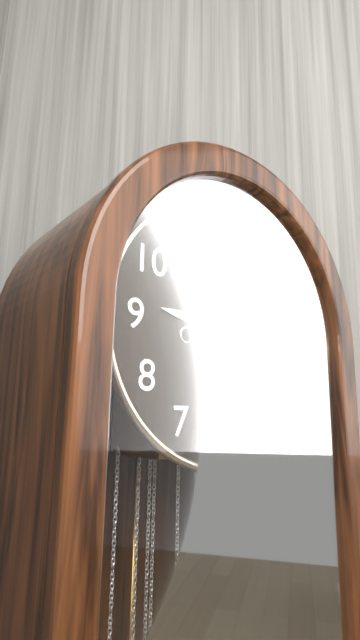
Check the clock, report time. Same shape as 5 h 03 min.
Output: 9 h 15 min
